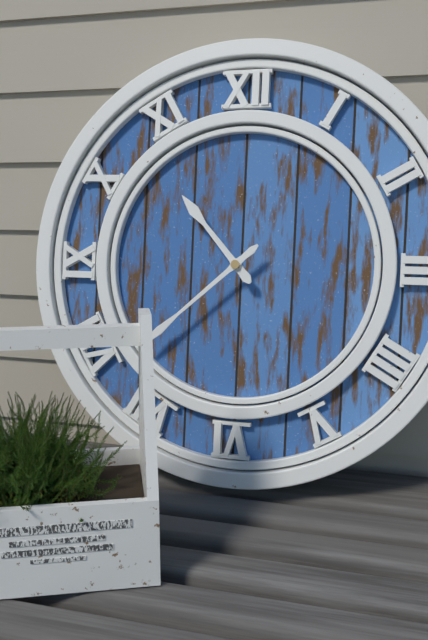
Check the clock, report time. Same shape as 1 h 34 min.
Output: 10 h 38 min
